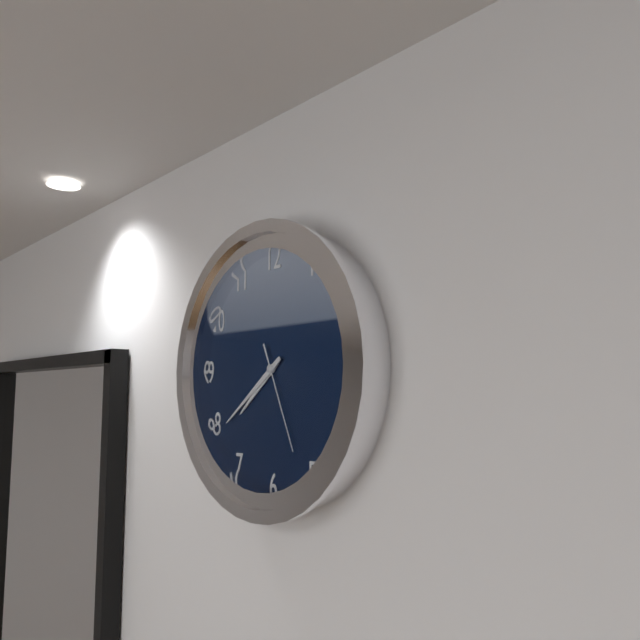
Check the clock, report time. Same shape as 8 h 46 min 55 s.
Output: 7 h 39 min 26 s
